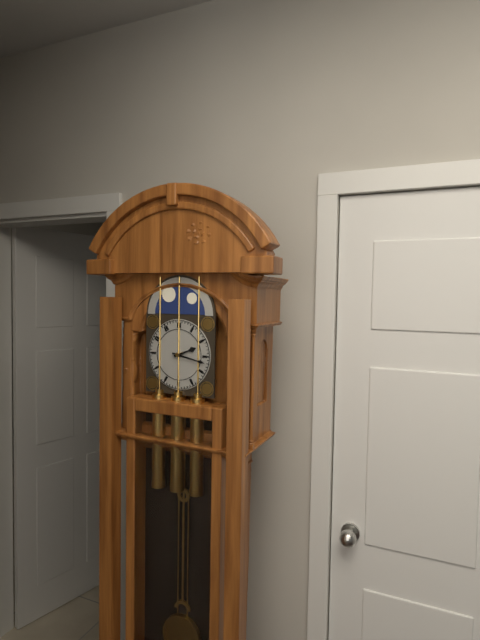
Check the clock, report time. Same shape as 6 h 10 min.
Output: 2 h 17 min
